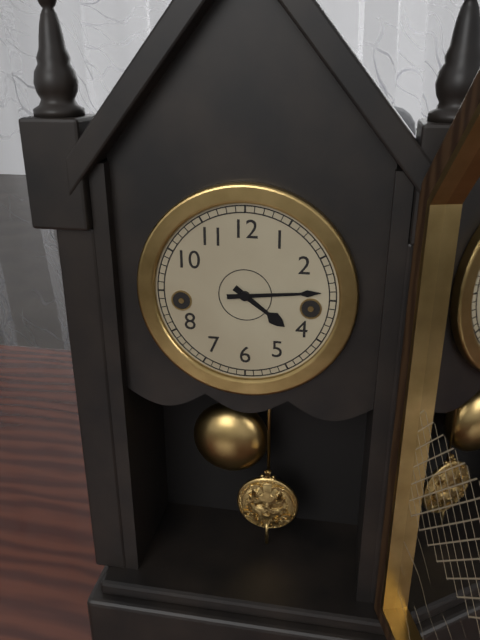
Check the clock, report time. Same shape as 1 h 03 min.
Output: 4 h 14 min
